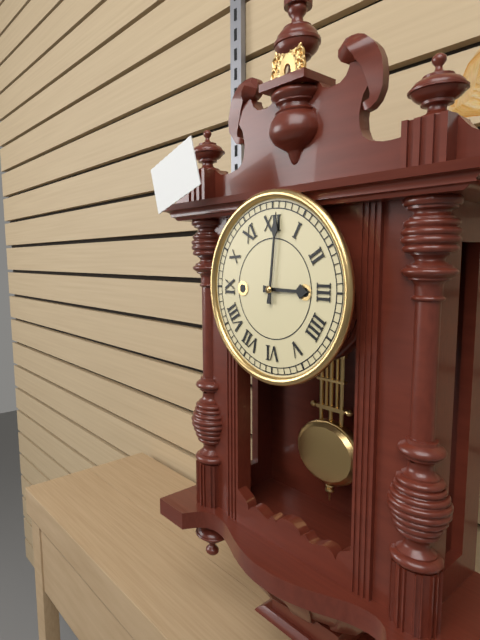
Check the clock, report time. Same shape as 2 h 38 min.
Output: 3 h 01 min
